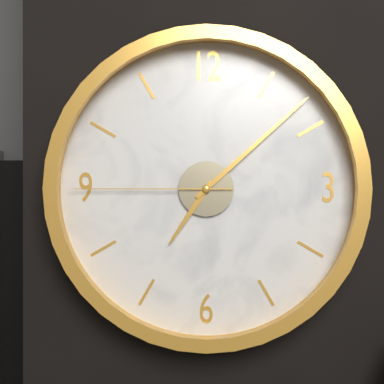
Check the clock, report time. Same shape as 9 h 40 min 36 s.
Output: 7 h 08 min 45 s
